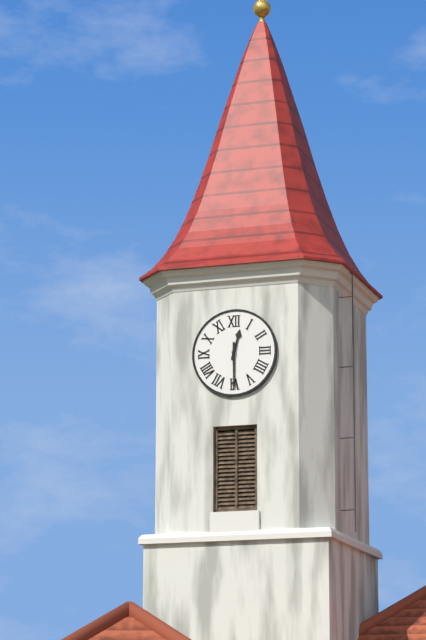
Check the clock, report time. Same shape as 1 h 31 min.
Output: 12 h 30 min
